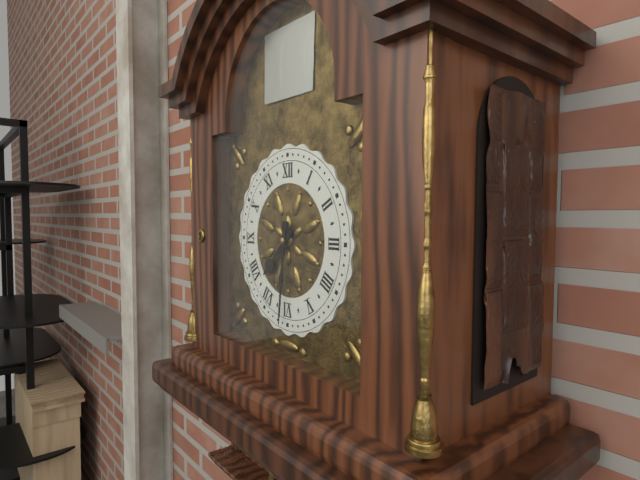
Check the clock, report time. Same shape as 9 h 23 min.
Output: 7 h 31 min
